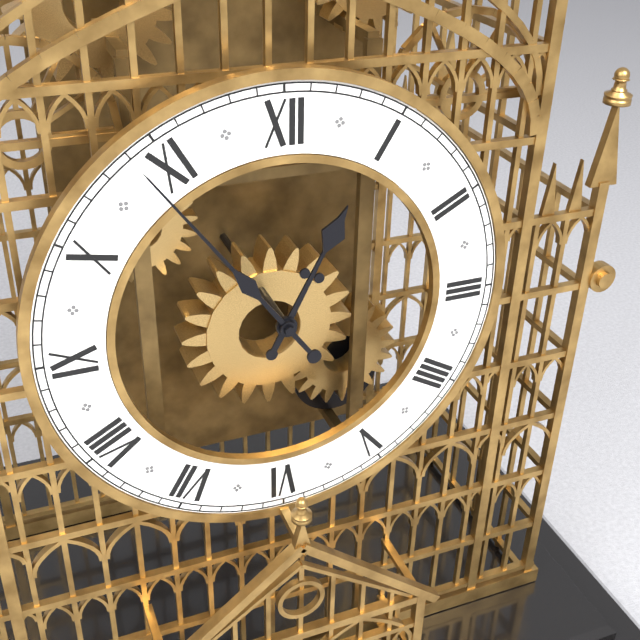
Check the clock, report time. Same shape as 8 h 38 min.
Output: 12 h 54 min
